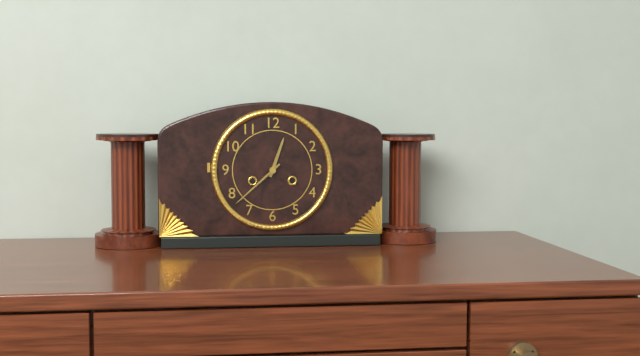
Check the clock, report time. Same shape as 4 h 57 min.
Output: 12 h 38 min
